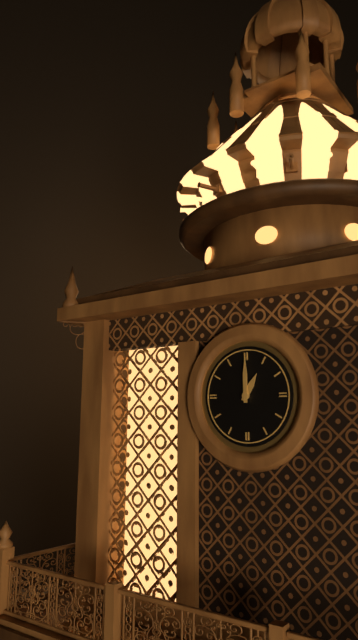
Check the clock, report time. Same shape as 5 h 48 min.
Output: 1 h 00 min
